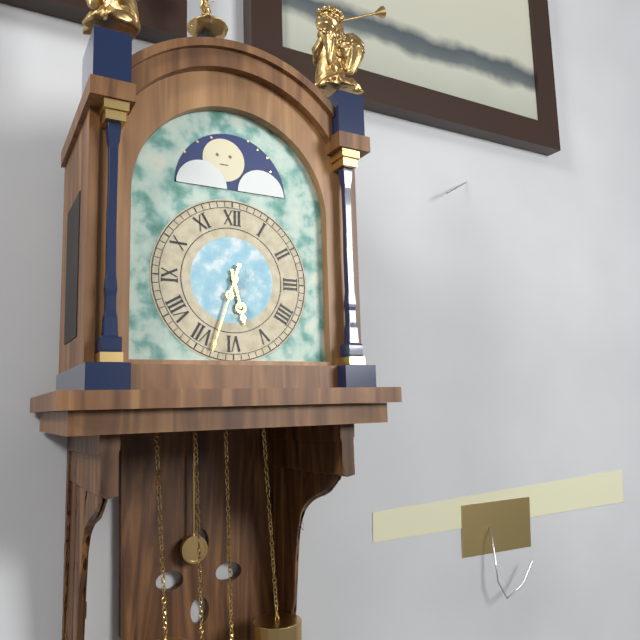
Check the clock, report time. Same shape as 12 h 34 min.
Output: 5 h 33 min
